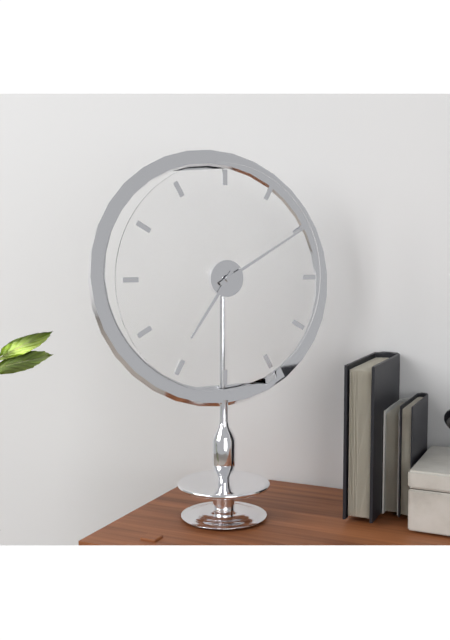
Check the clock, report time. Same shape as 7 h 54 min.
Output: 7 h 10 min
